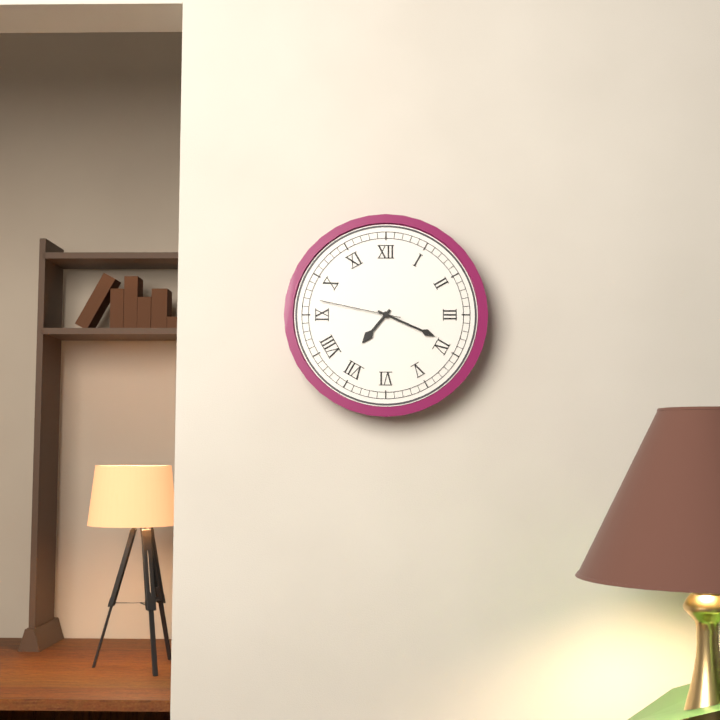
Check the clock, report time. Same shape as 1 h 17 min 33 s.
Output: 7 h 19 min 47 s
